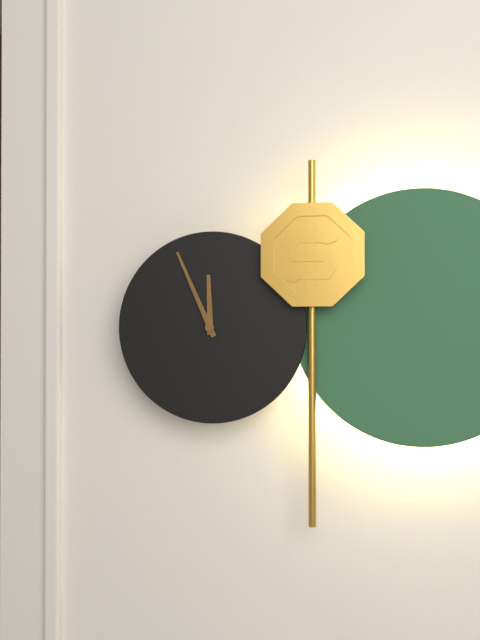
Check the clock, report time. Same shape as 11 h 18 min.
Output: 11 h 56 min
